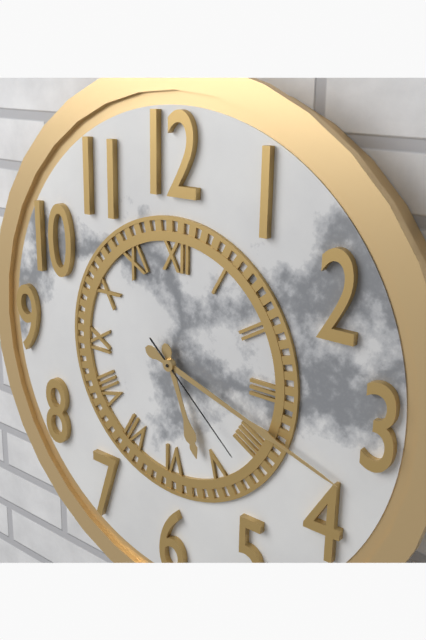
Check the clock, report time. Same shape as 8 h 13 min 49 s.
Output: 5 h 18 min 22 s
